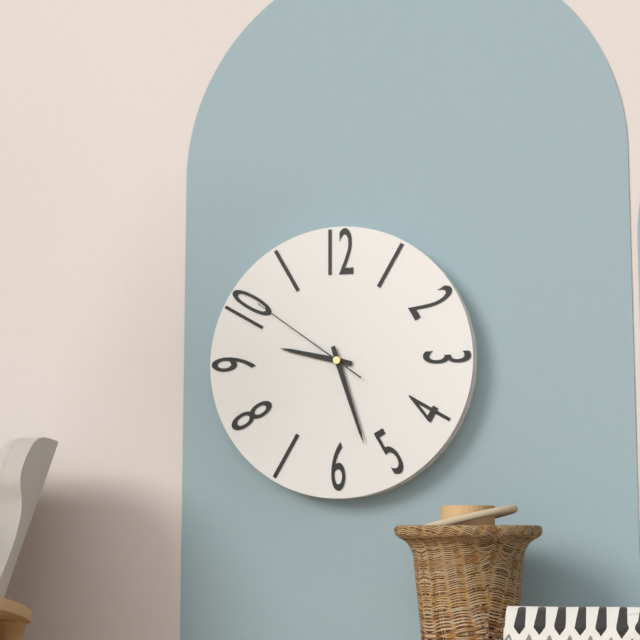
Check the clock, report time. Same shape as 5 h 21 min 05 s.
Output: 9 h 27 min 51 s
